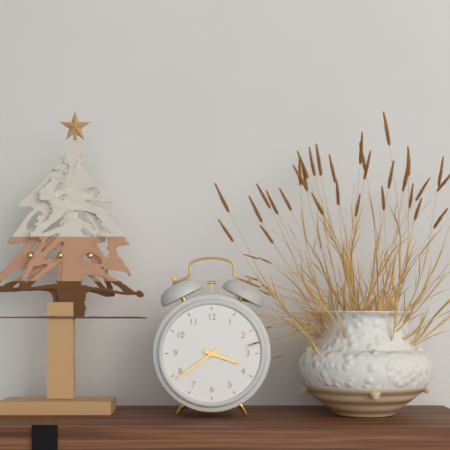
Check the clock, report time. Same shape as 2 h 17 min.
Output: 3 h 39 min
